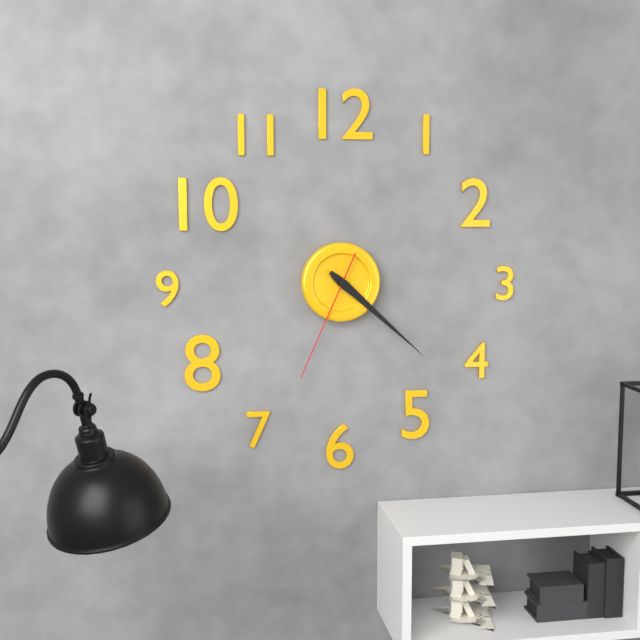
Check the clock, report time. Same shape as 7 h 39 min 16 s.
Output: 4 h 22 min 34 s
